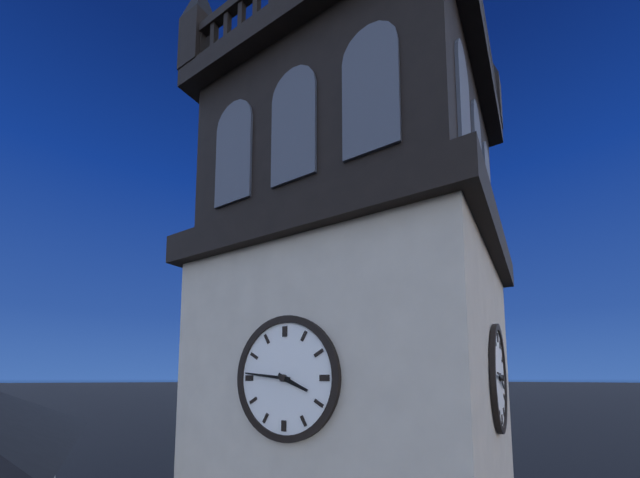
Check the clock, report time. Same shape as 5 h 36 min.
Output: 3 h 46 min
